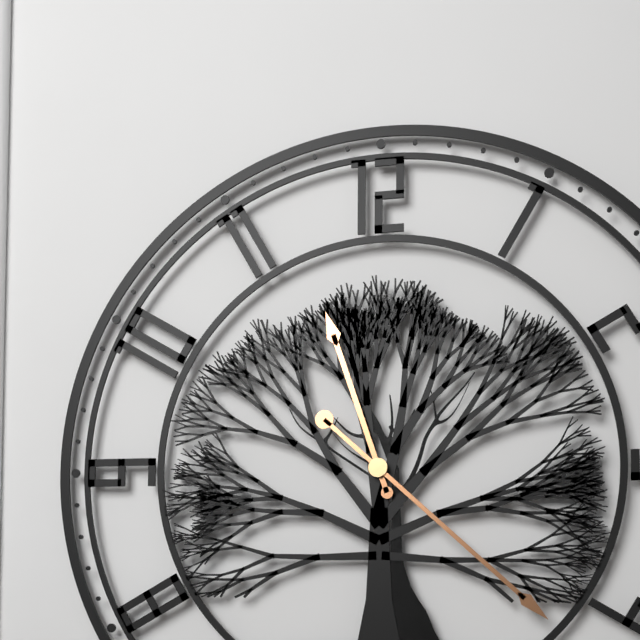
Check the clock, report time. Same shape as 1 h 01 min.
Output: 11 h 22 min
